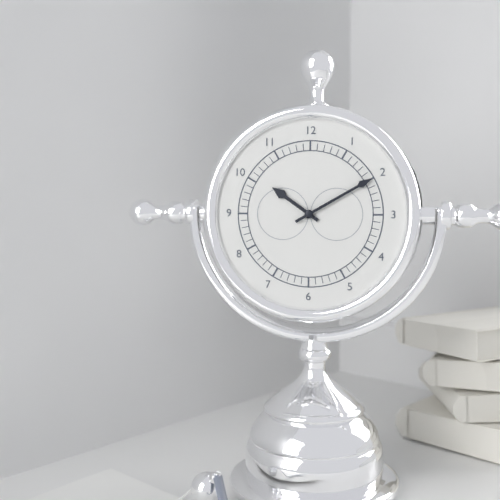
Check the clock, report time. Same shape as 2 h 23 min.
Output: 10 h 10 min
